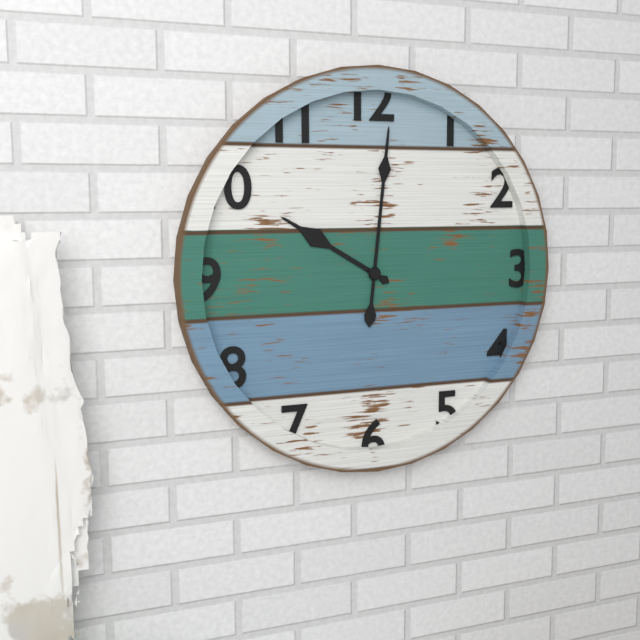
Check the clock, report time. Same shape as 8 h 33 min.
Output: 10 h 01 min
